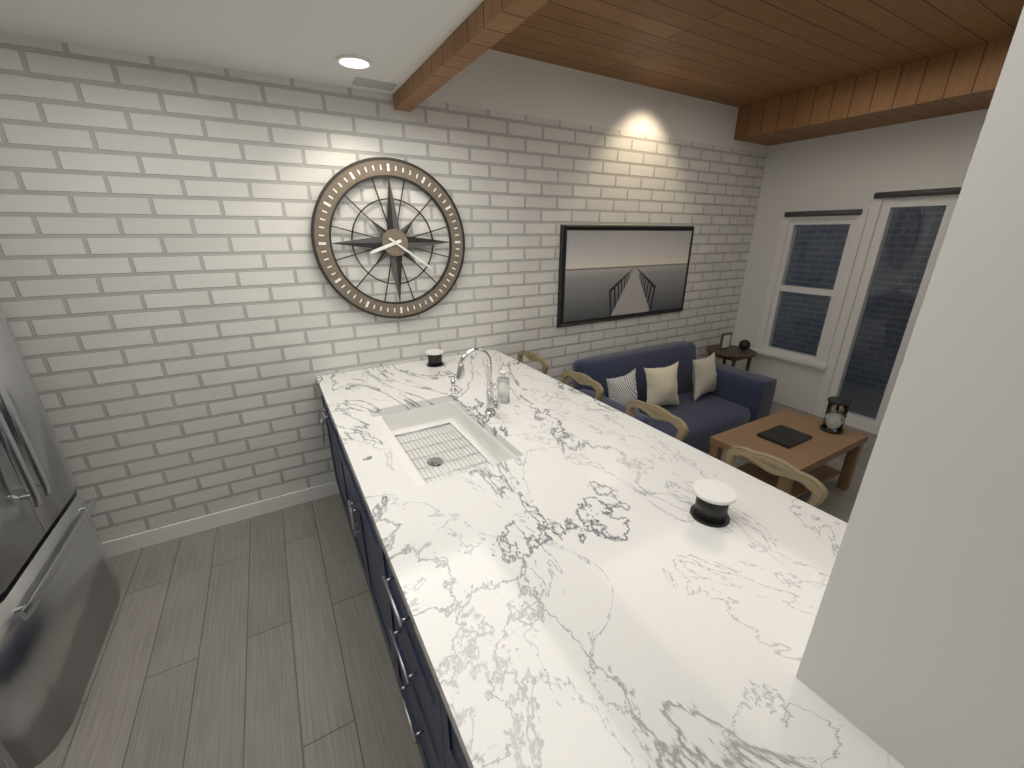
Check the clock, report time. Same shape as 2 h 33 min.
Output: 8 h 21 min
